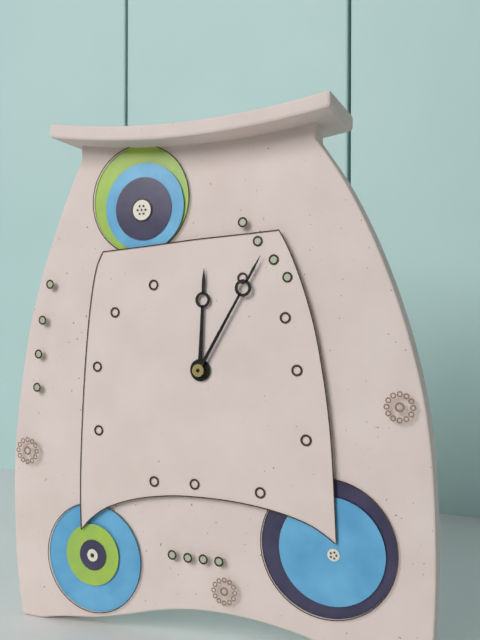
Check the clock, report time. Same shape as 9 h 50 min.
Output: 12 h 05 min
